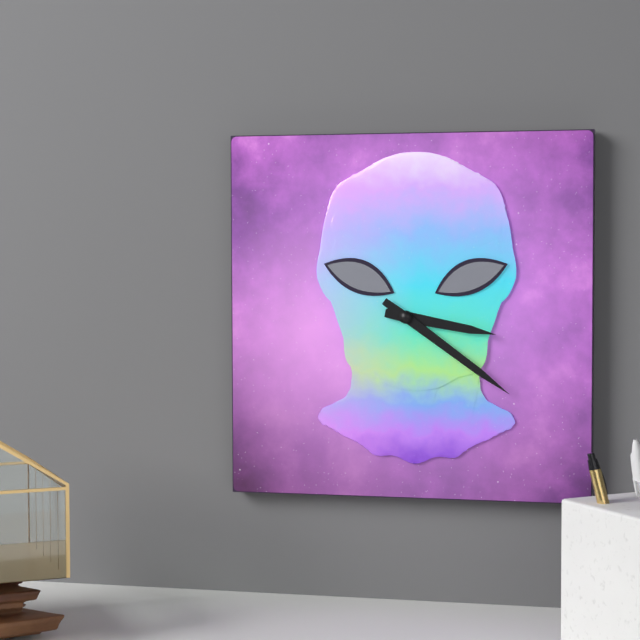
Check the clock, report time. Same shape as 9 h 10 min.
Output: 3 h 21 min
